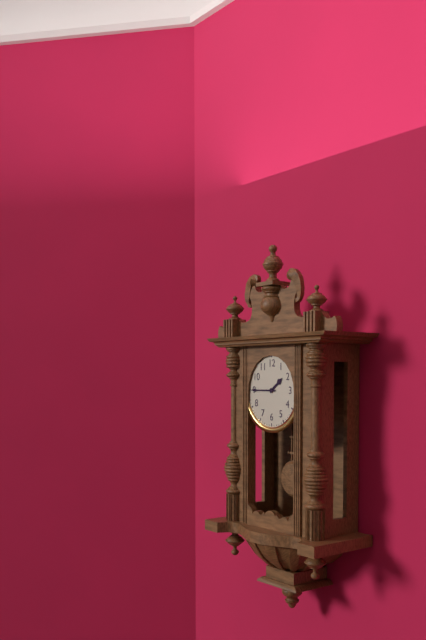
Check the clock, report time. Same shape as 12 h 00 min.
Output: 1 h 45 min
